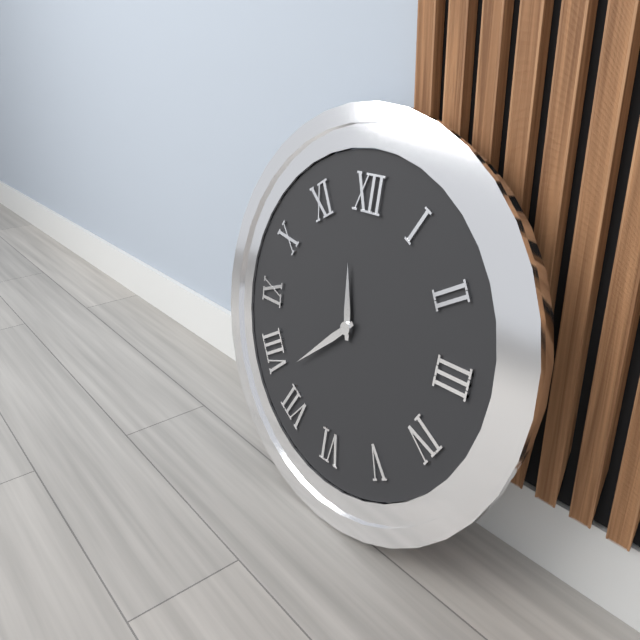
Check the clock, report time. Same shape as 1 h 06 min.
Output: 11 h 38 min
